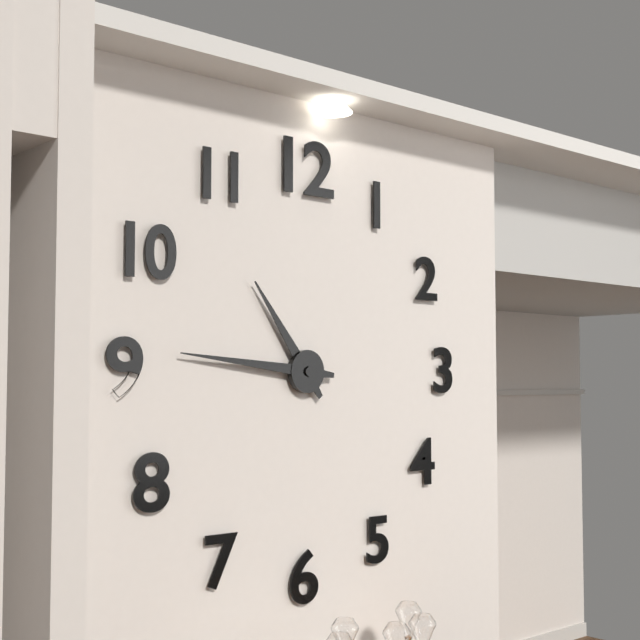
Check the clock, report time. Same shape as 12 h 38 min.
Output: 10 h 46 min
